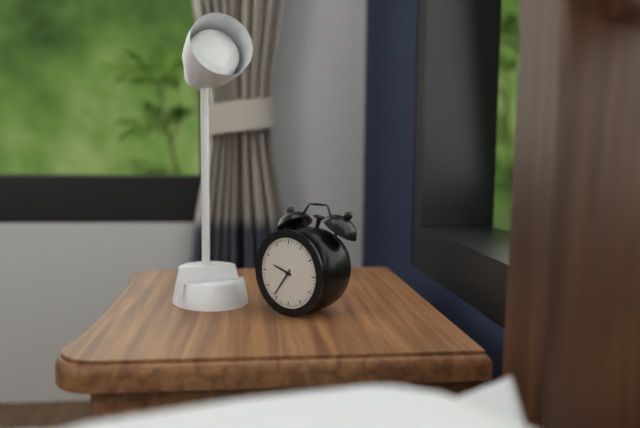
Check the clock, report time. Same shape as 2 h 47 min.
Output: 9 h 36 min
